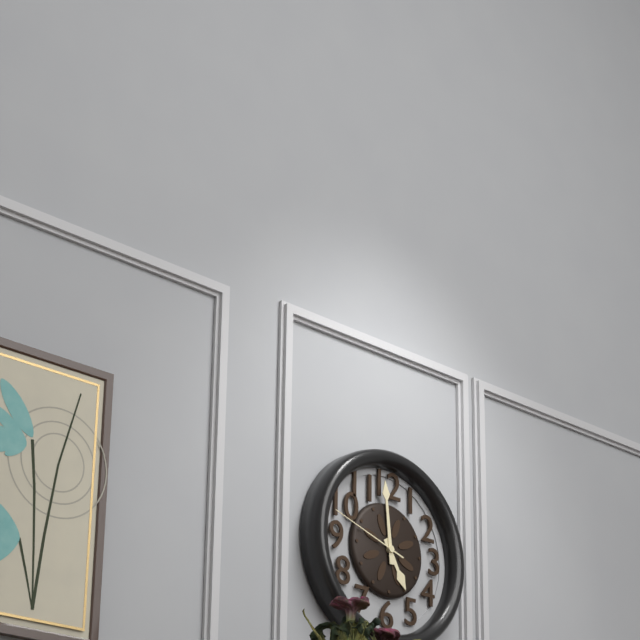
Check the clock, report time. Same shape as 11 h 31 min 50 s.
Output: 4 h 59 min 48 s
